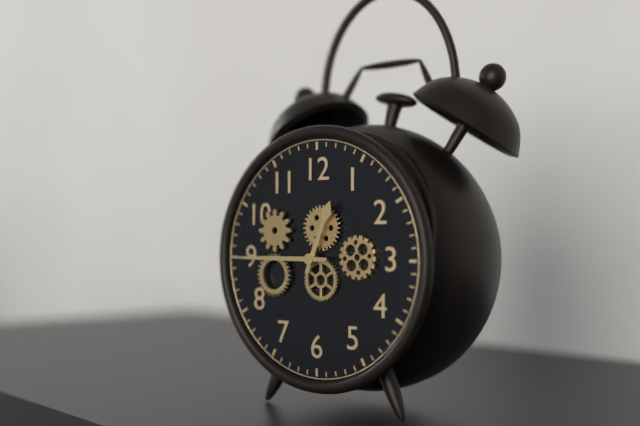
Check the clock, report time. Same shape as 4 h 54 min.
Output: 12 h 45 min
